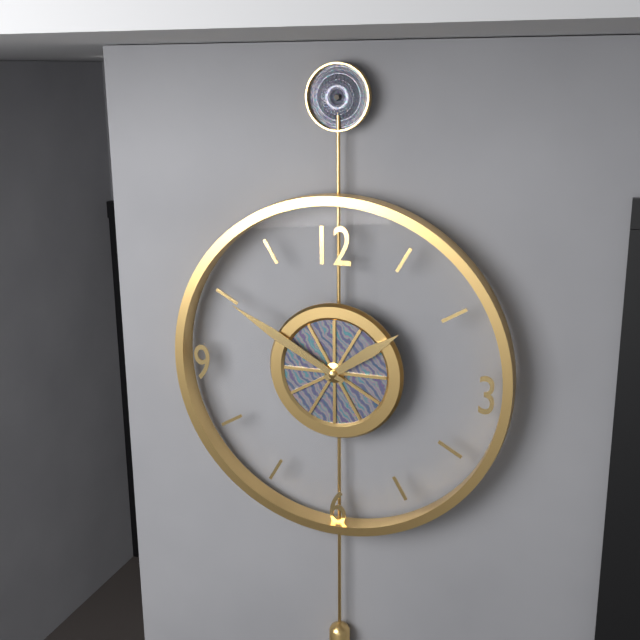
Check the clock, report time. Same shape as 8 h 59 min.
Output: 1 h 50 min
